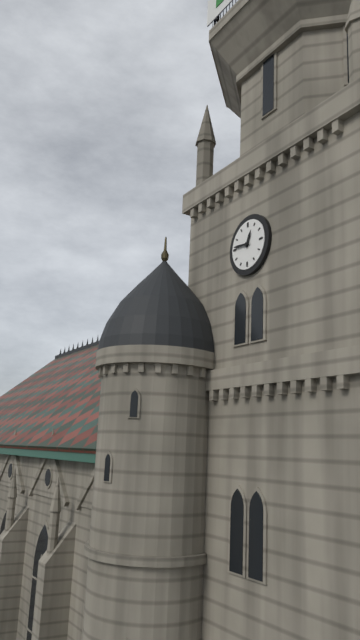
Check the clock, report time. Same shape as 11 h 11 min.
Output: 12 h 46 min
